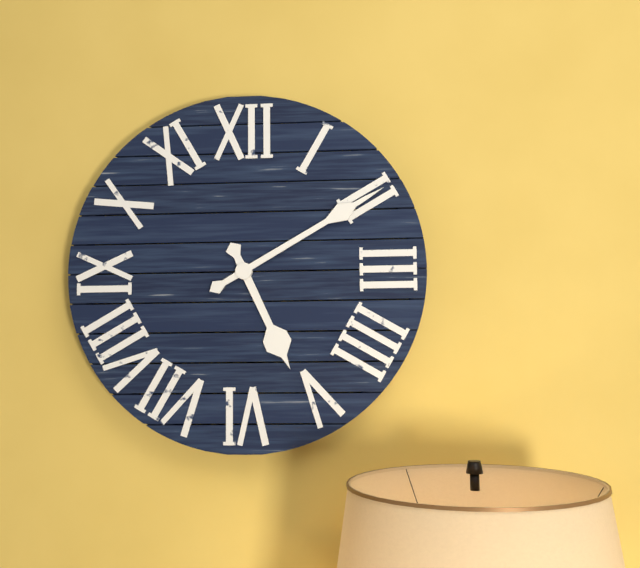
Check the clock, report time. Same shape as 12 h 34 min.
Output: 5 h 10 min
